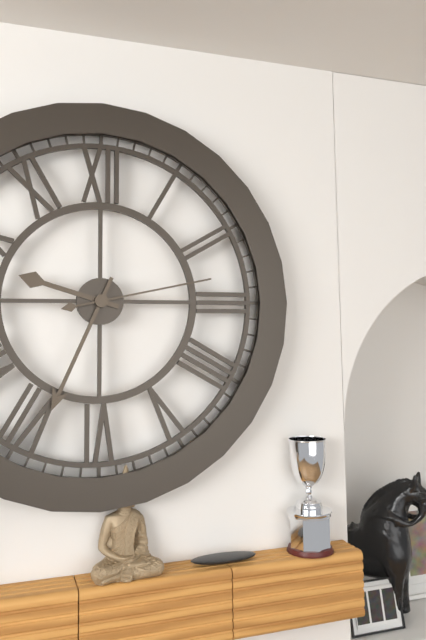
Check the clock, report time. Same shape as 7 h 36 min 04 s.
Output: 9 h 34 min 13 s
